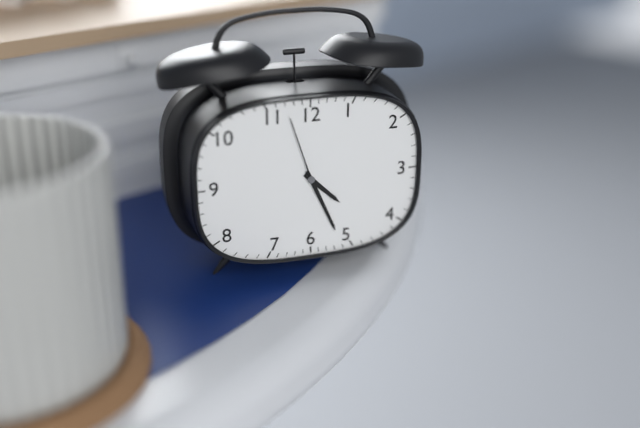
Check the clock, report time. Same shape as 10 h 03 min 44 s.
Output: 4 h 26 min 57 s
